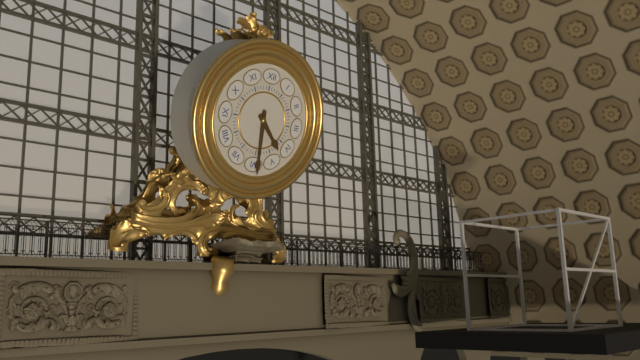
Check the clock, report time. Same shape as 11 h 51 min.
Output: 4 h 29 min
